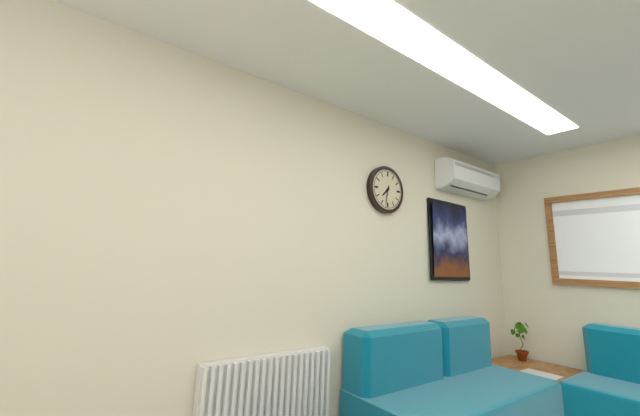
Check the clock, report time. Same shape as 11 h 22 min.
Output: 7 h 32 min
